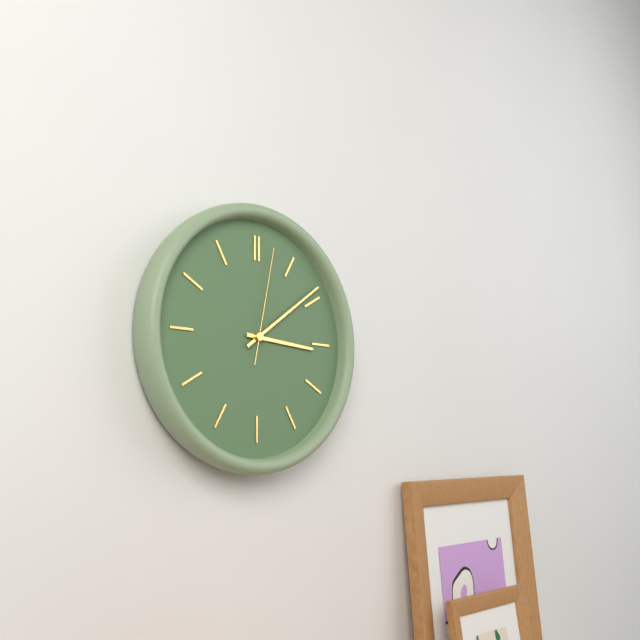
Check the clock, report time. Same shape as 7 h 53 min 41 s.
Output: 3 h 09 min 02 s
